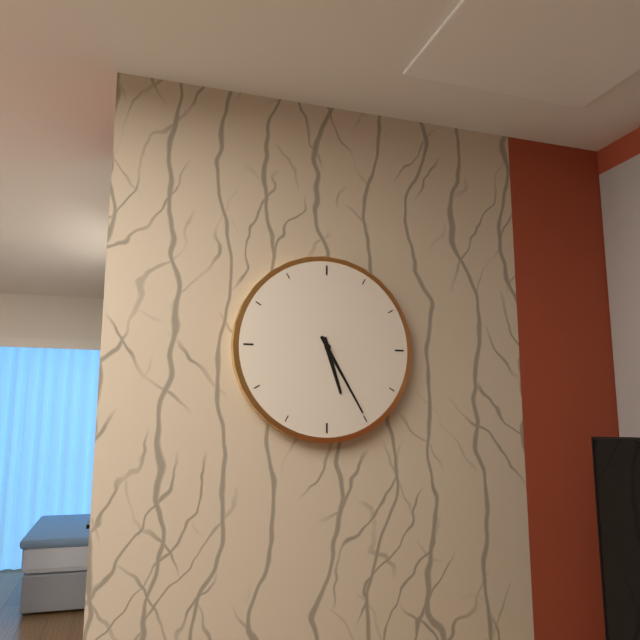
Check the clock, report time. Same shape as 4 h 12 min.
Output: 5 h 25 min
